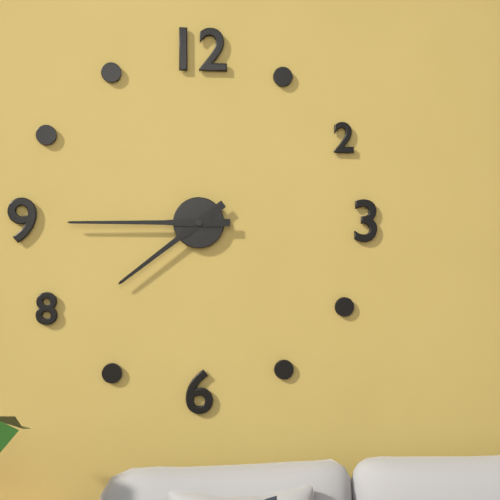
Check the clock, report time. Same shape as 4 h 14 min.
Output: 7 h 45 min
